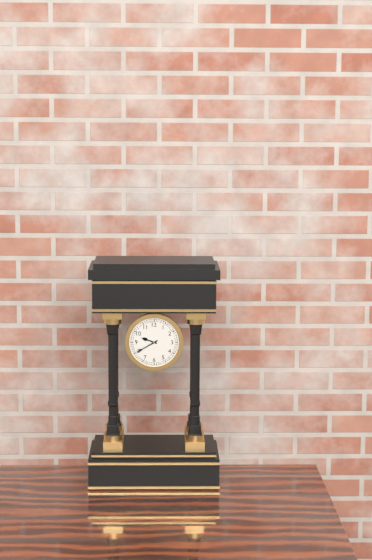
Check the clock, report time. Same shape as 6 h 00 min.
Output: 9 h 40 min
